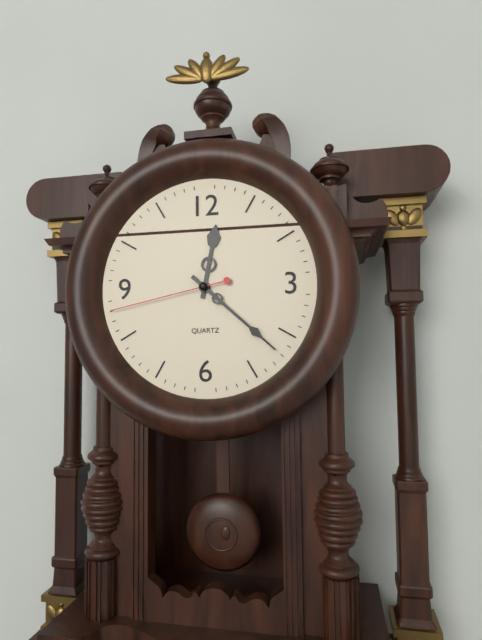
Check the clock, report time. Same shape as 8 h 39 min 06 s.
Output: 12 h 22 min 43 s
